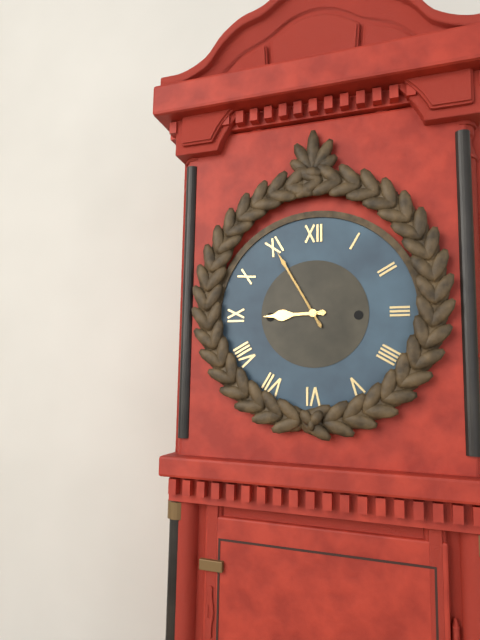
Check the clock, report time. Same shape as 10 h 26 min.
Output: 8 h 55 min
